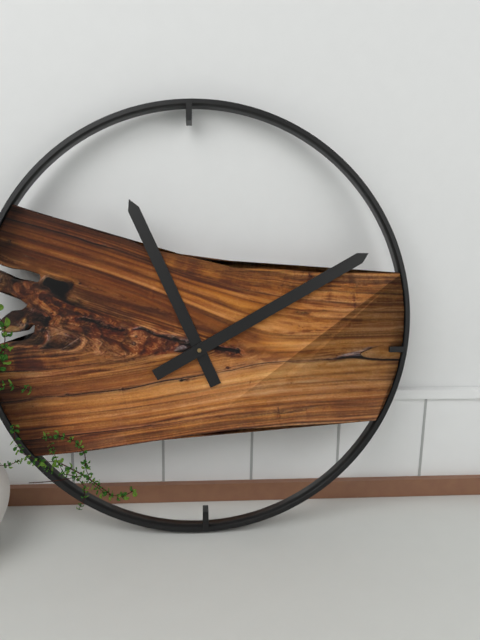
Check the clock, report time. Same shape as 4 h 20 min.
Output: 11 h 10 min
